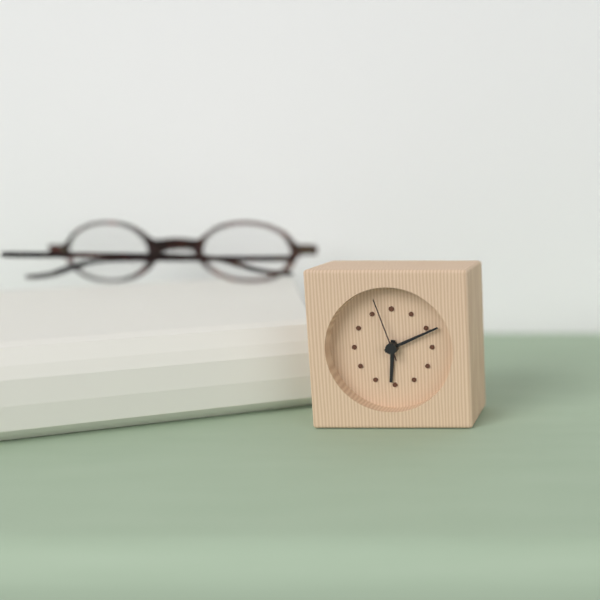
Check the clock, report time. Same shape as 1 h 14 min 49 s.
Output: 6 h 11 min 57 s
